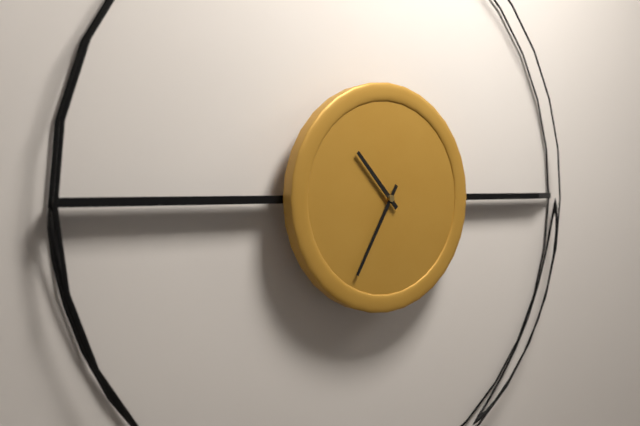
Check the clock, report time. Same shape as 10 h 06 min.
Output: 10 h 35 min
